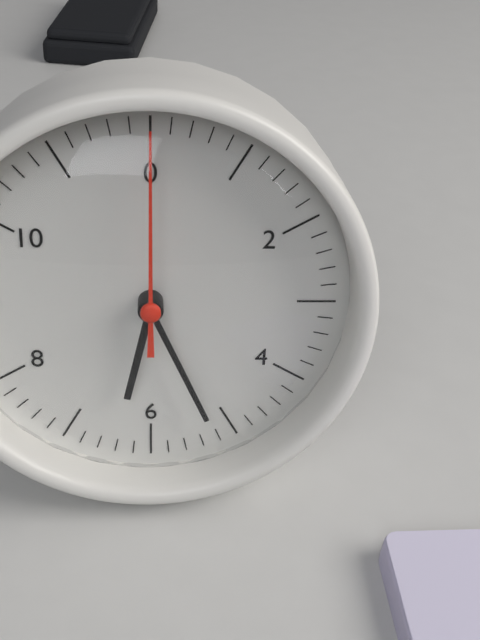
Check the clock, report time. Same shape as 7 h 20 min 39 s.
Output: 6 h 26 min 00 s
